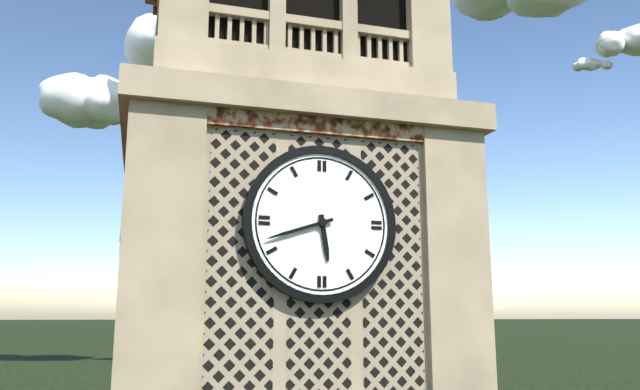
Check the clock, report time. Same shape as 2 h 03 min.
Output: 5 h 42 min
